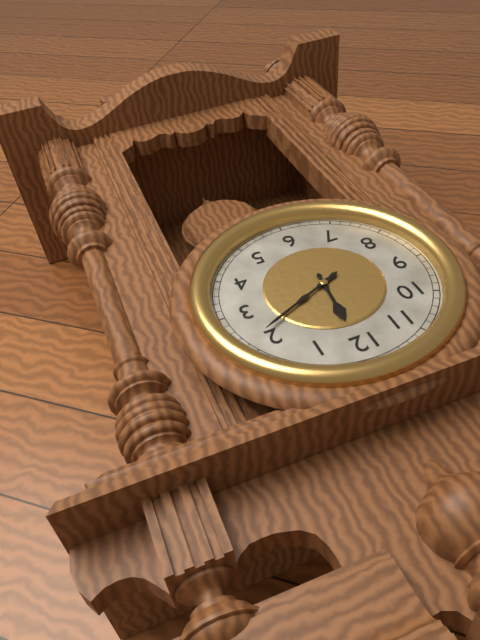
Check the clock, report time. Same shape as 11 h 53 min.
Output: 12 h 11 min
